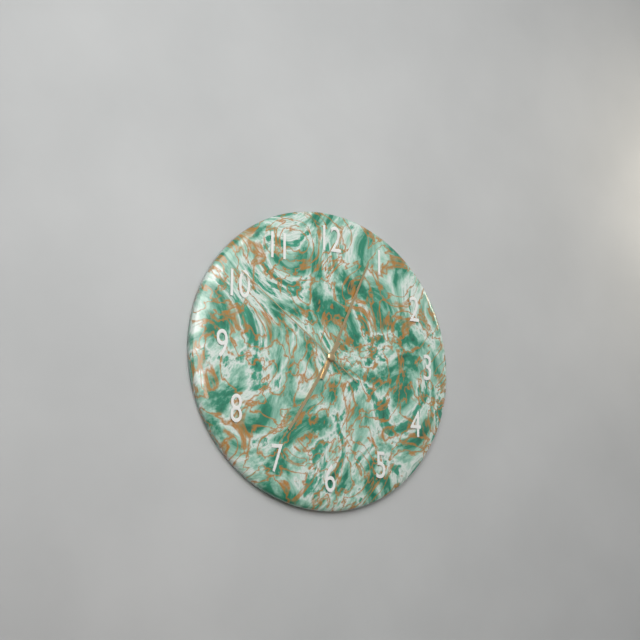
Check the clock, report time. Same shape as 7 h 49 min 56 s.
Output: 7 h 04 min 51 s
